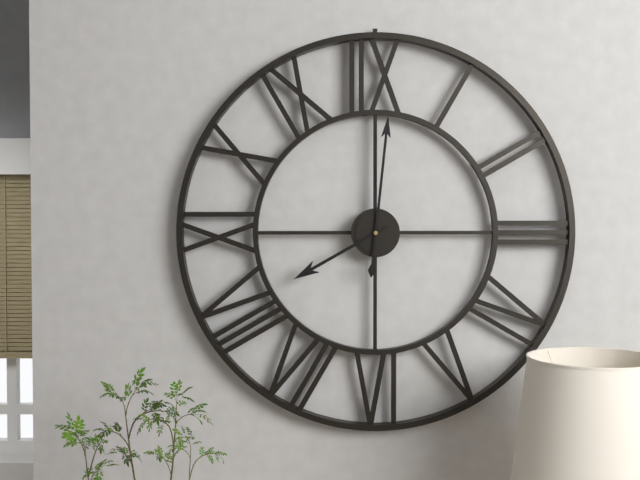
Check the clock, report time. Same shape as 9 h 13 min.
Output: 8 h 01 min
